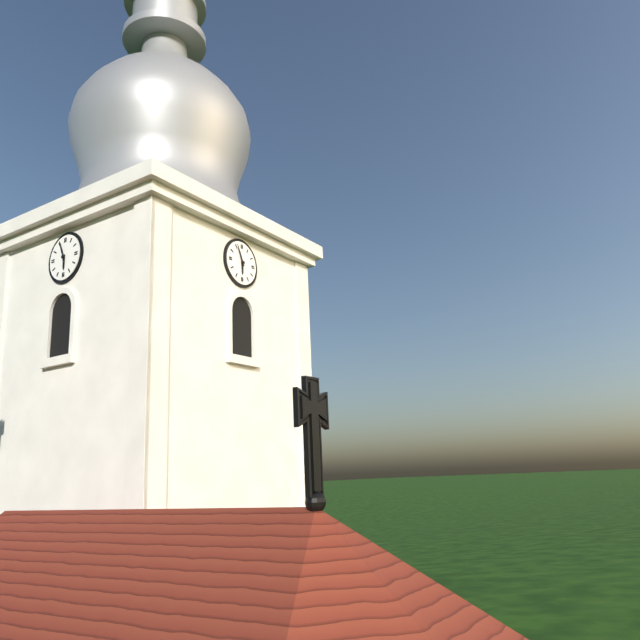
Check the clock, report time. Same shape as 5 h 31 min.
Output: 5 h 56 min
